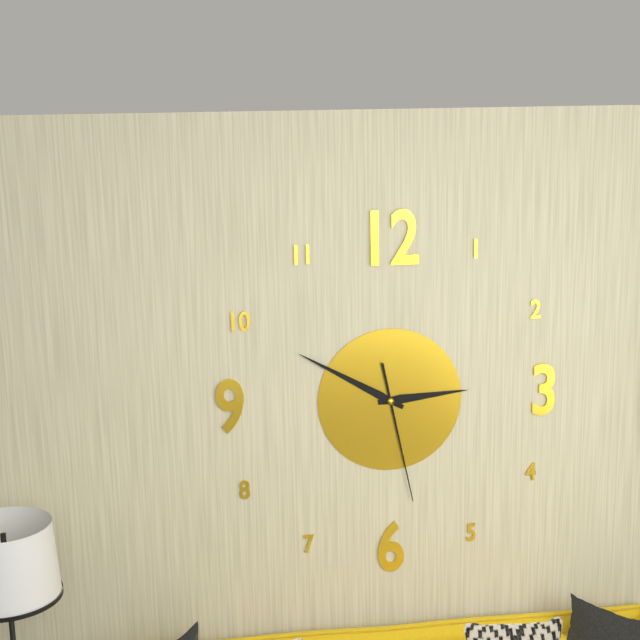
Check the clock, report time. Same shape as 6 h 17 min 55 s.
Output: 2 h 50 min 28 s
